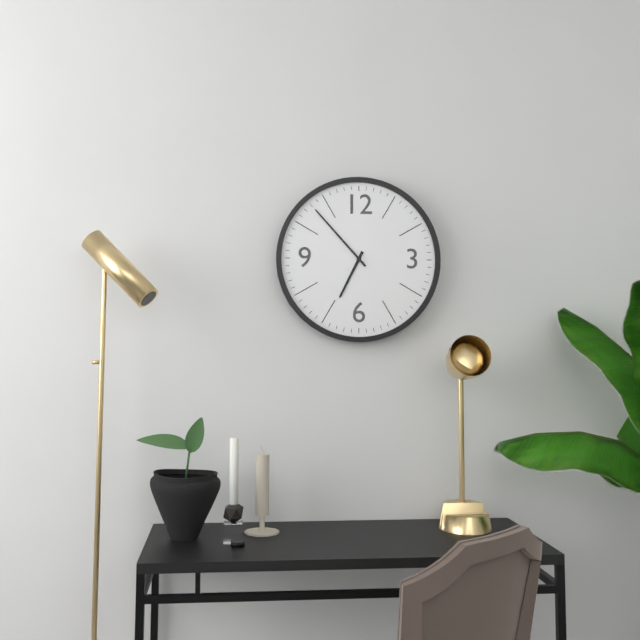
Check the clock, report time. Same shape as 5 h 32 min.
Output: 6 h 53 min
